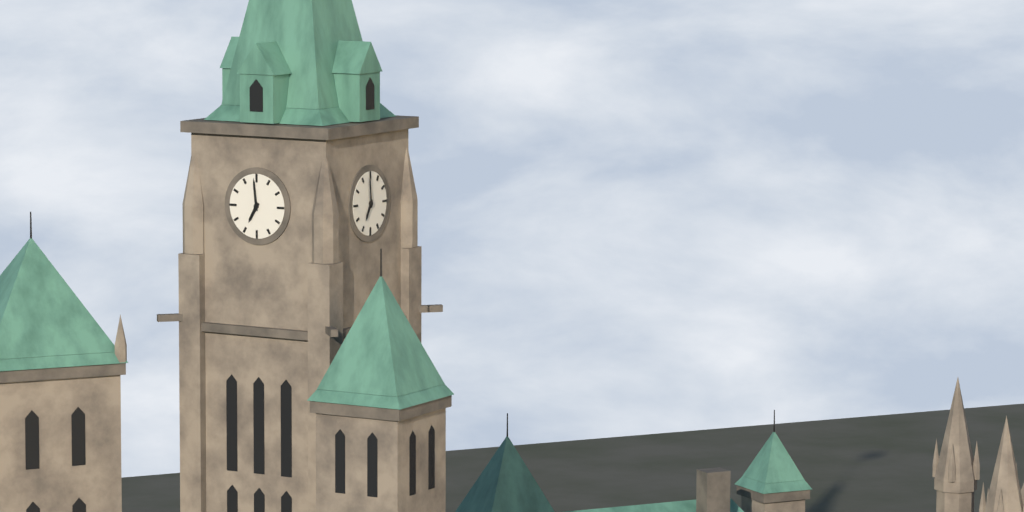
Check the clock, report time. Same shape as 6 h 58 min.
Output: 6 h 59 min
